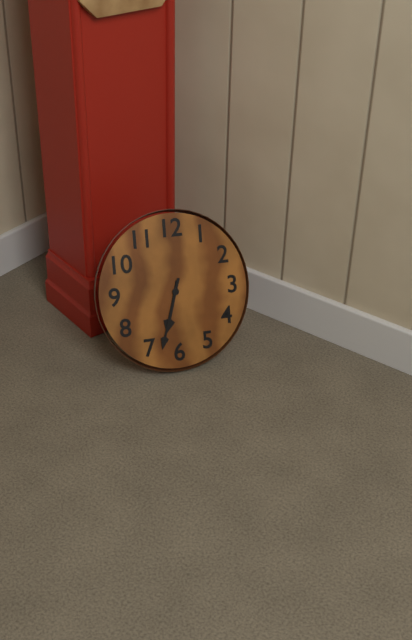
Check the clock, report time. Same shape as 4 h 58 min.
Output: 6 h 33 min
